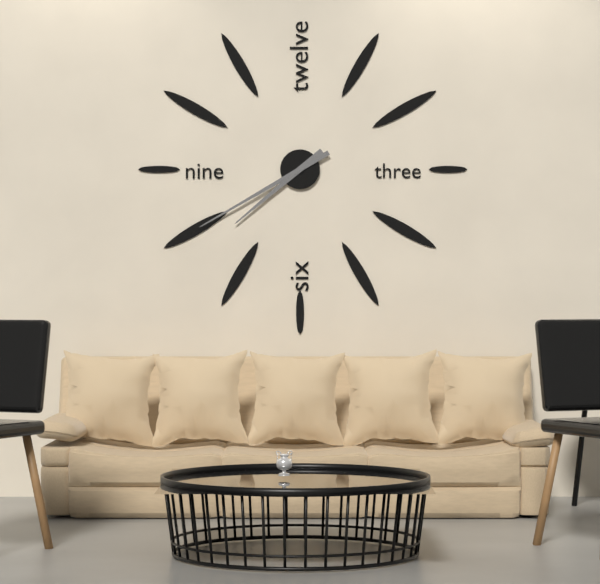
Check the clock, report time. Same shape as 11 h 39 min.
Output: 7 h 40 min
